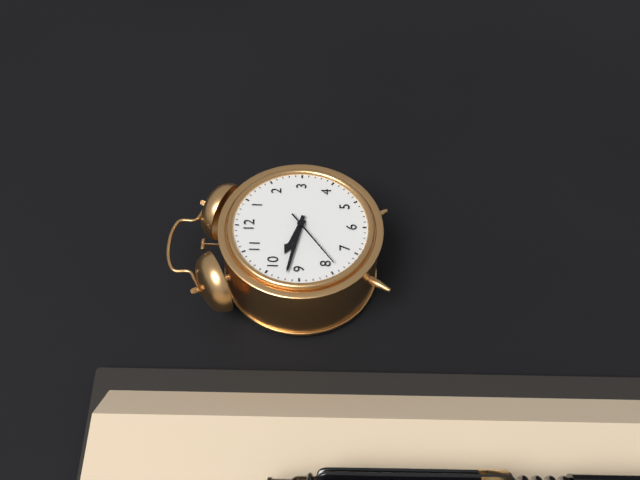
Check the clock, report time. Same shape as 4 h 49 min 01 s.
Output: 9 h 47 min 39 s
